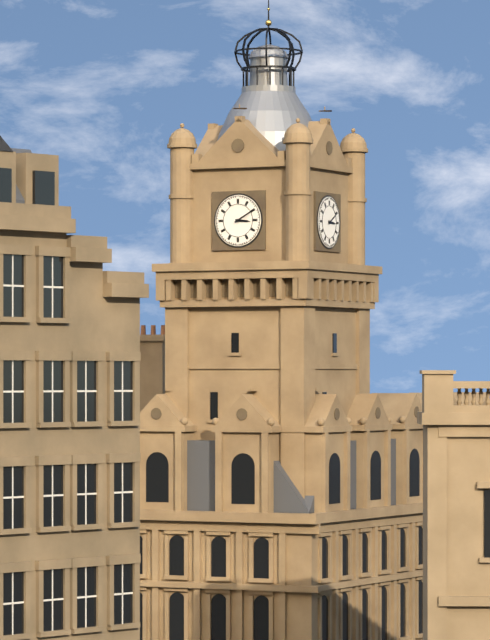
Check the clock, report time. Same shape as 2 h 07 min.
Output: 3 h 10 min
